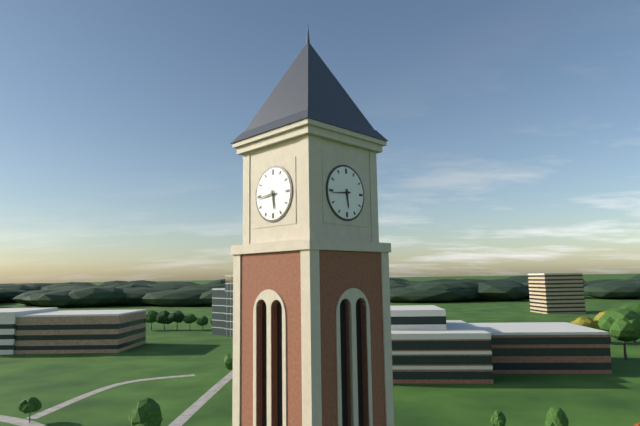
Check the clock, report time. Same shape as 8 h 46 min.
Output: 5 h 44 min
